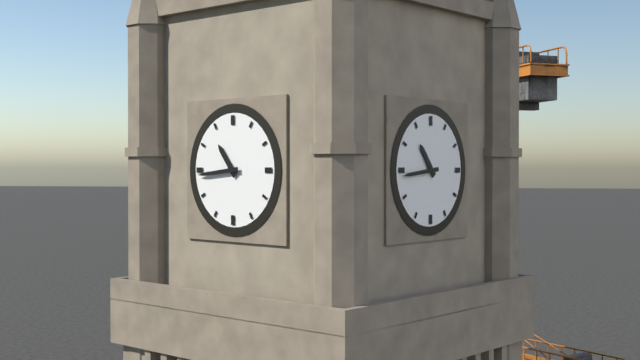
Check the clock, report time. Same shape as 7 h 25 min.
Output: 10 h 44 min
